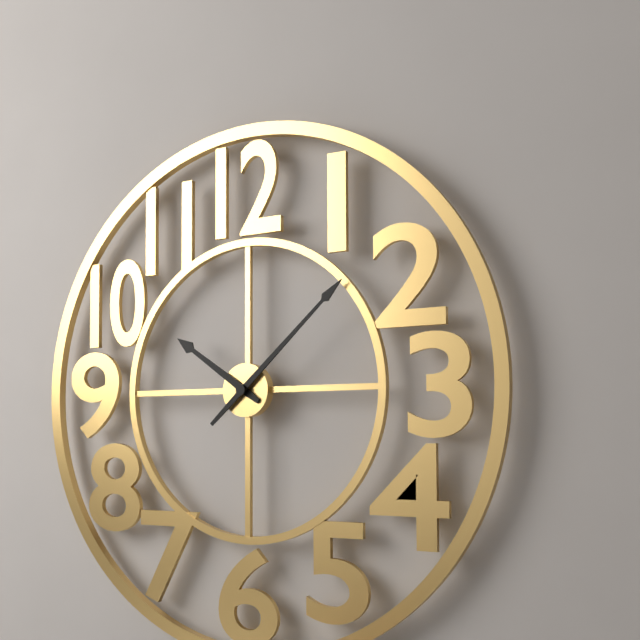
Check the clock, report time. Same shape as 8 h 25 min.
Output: 10 h 08 min
